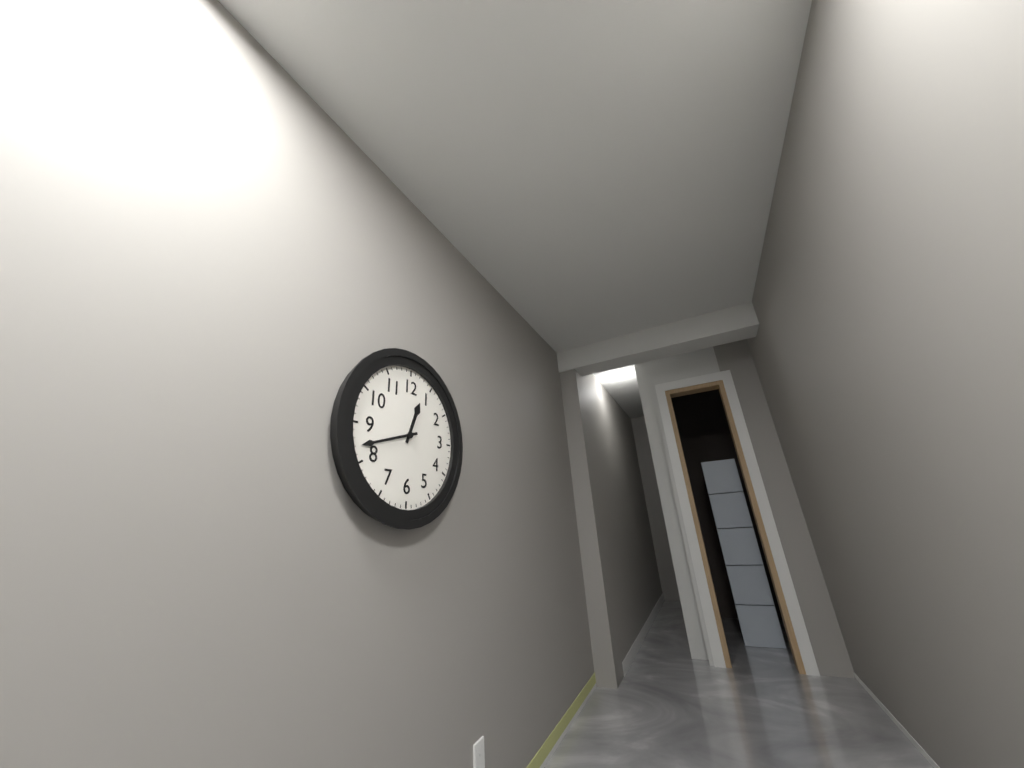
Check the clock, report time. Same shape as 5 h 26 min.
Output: 12 h 42 min
